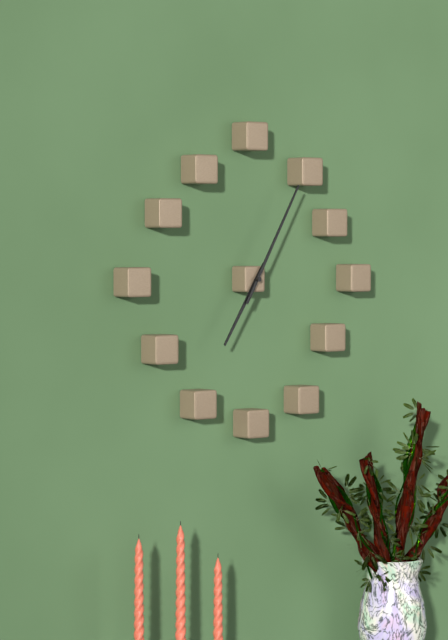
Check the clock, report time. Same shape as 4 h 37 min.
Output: 7 h 05 min
